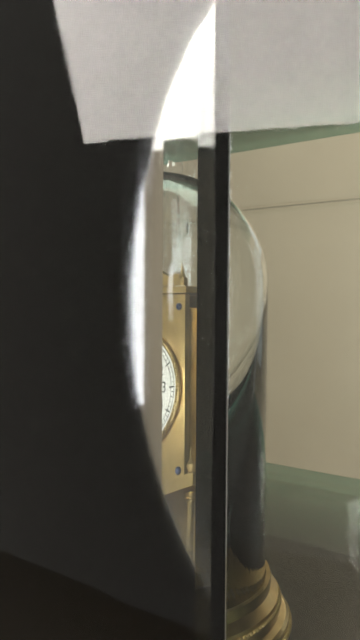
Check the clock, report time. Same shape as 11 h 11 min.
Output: 6 h 04 min
